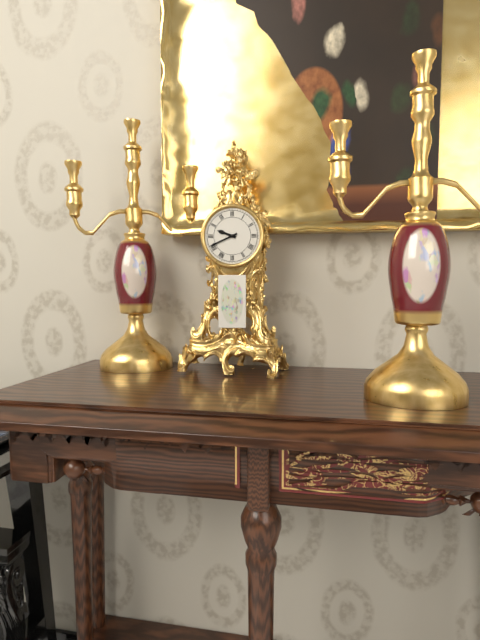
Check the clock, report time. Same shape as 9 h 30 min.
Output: 9 h 41 min
